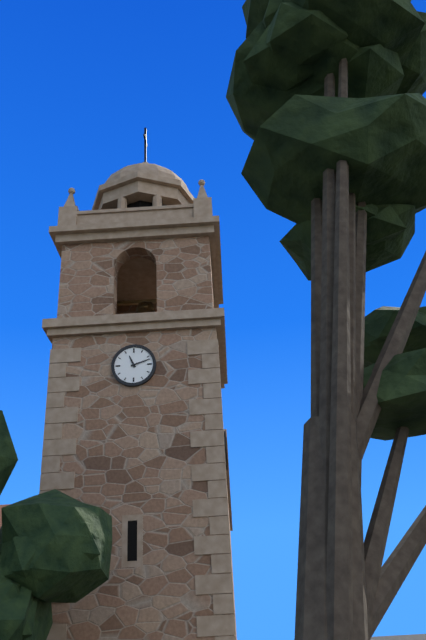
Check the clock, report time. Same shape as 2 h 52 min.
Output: 11 h 12 min
